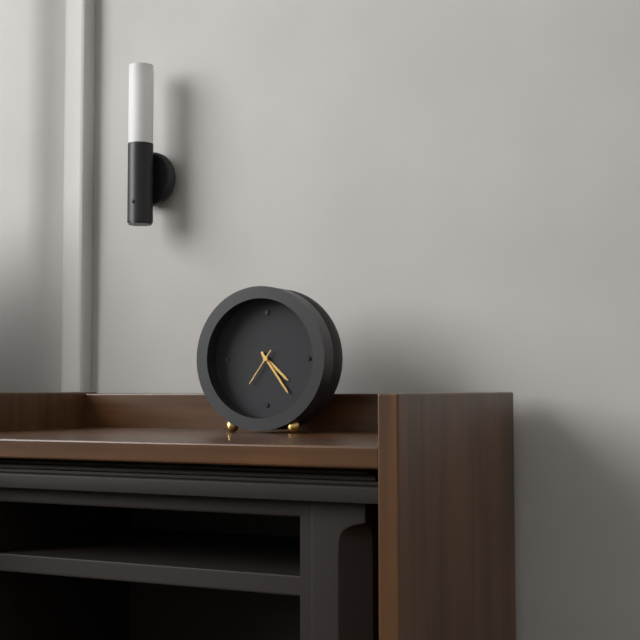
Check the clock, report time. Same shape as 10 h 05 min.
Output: 4 h 24 min
